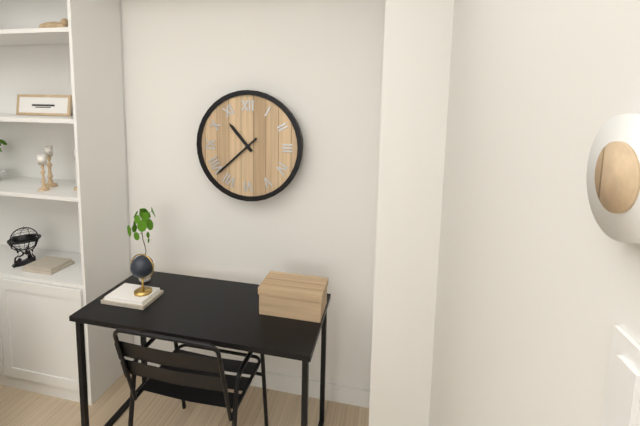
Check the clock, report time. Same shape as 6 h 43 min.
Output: 10 h 38 min
